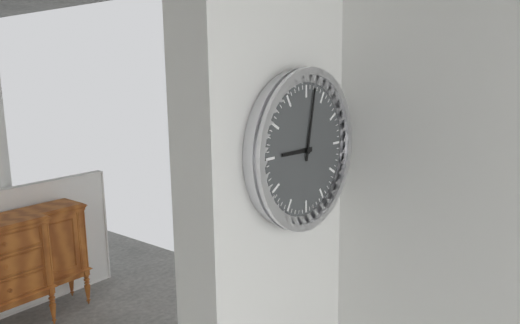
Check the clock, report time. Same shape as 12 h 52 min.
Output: 9 h 02 min
